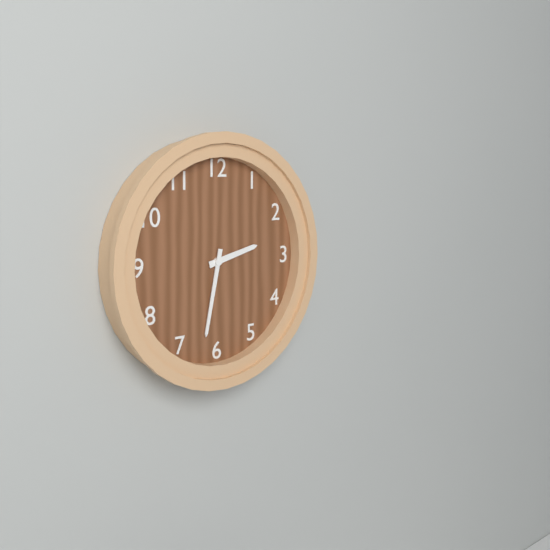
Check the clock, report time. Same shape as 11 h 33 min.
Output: 2 h 32 min
